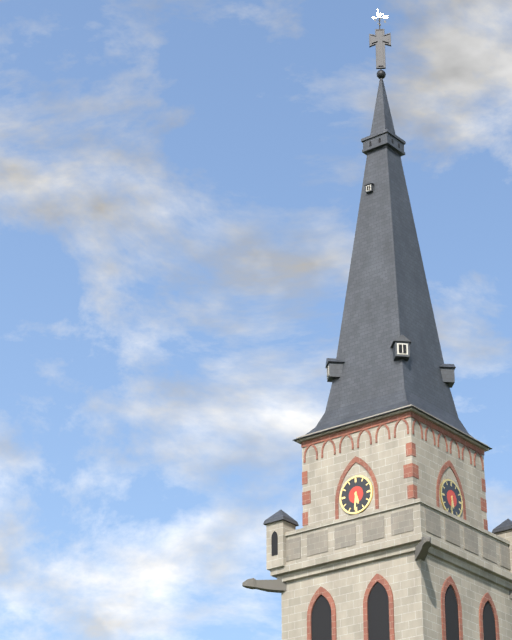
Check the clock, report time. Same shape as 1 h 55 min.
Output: 5 h 31 min
